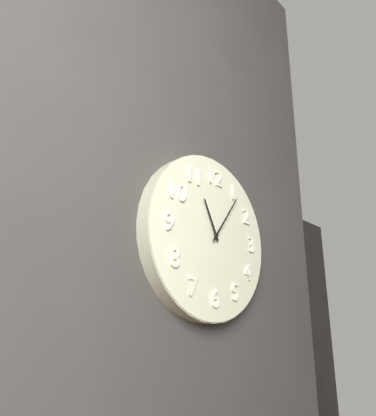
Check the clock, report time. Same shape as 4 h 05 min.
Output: 11 h 06 min
